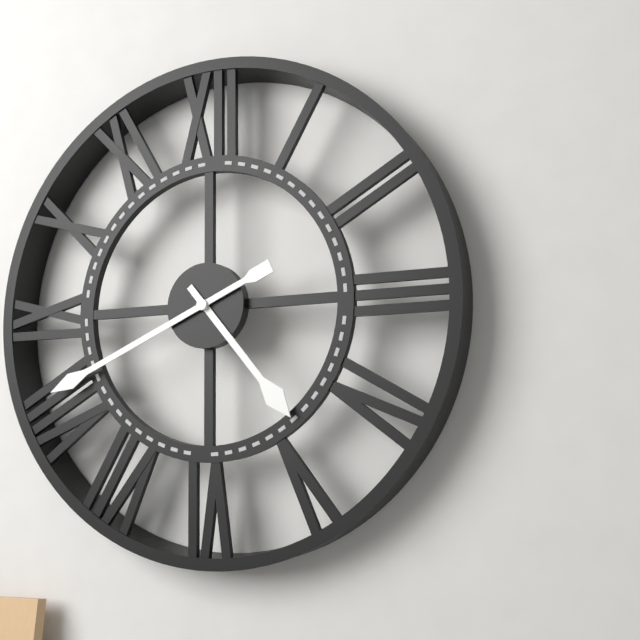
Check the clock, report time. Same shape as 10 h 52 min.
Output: 4 h 41 min
